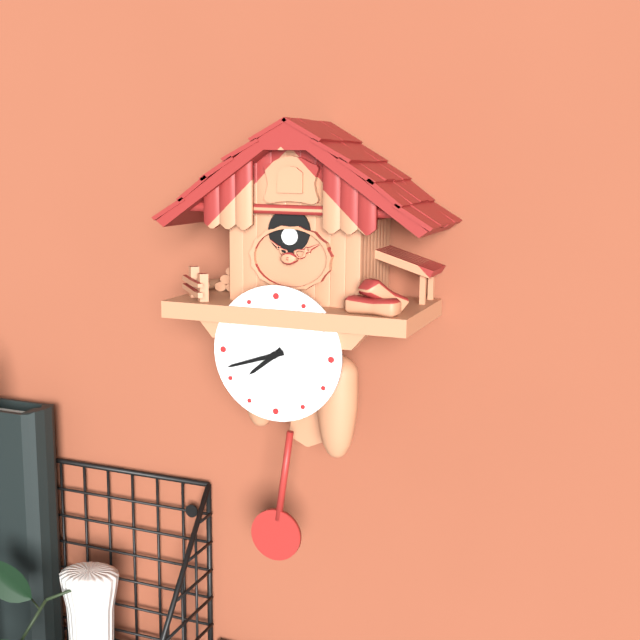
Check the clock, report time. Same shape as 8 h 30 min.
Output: 7 h 42 min
